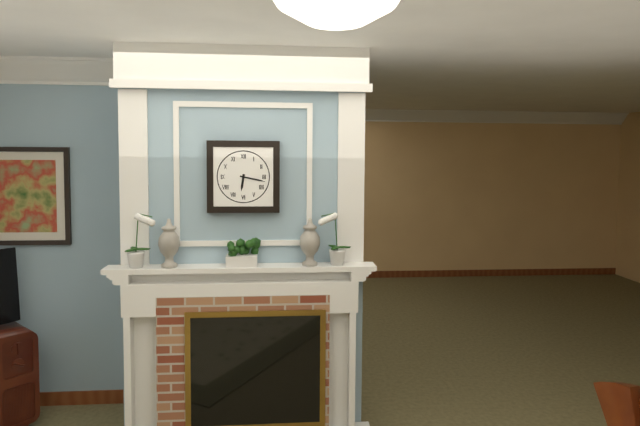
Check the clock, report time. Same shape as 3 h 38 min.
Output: 6 h 17 min
